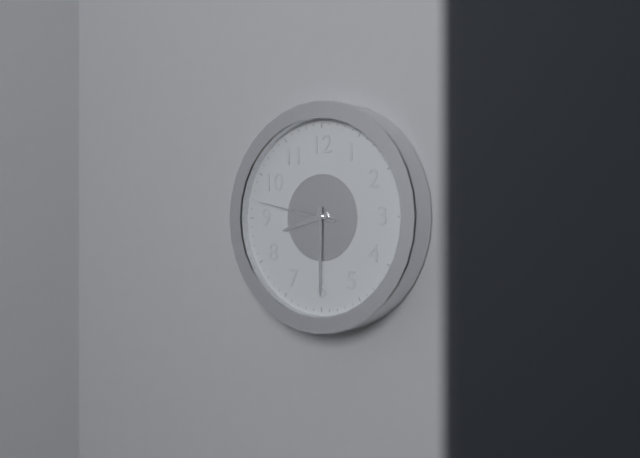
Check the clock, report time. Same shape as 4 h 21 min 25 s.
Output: 8 h 30 min 47 s
